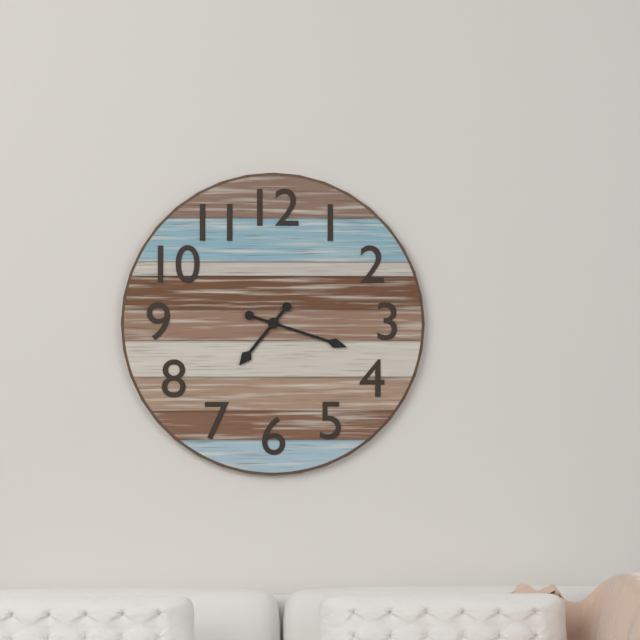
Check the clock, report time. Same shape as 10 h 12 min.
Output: 7 h 18 min
